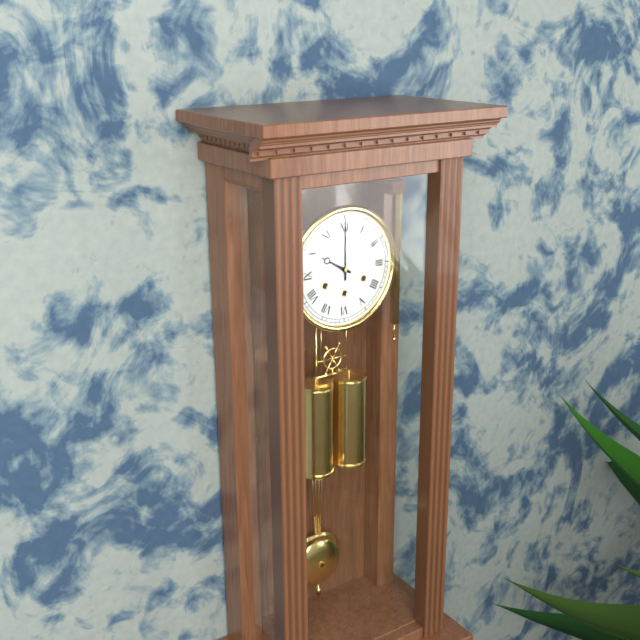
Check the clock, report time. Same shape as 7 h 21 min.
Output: 10 h 00 min
